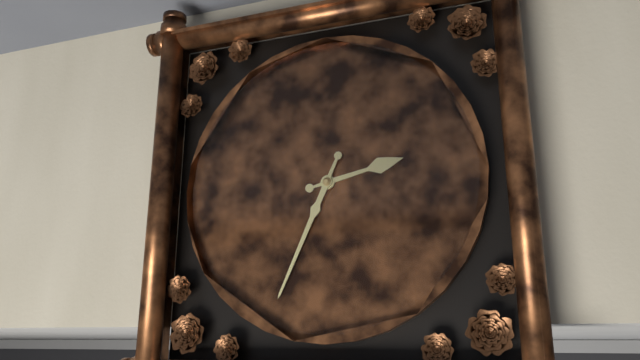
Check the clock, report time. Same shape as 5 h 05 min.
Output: 2 h 34 min
